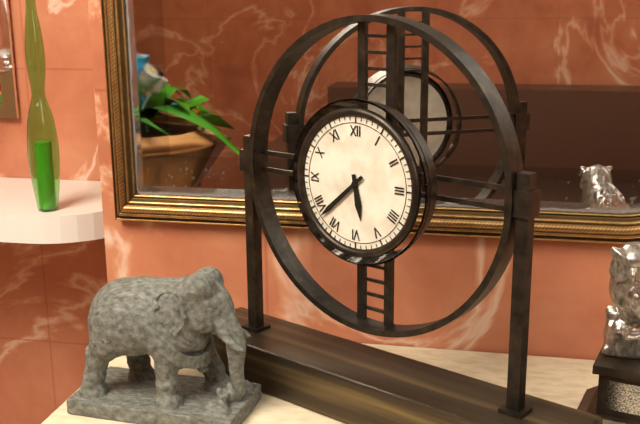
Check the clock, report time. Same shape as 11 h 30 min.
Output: 5 h 38 min
